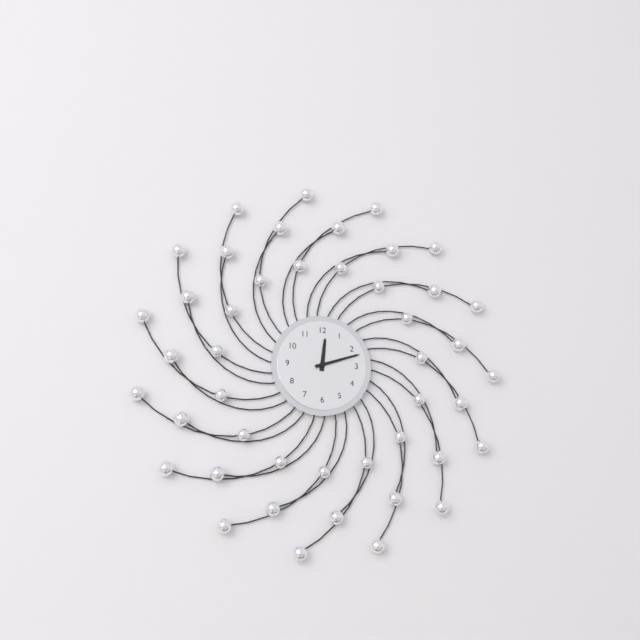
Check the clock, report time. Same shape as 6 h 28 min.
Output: 12 h 12 min
